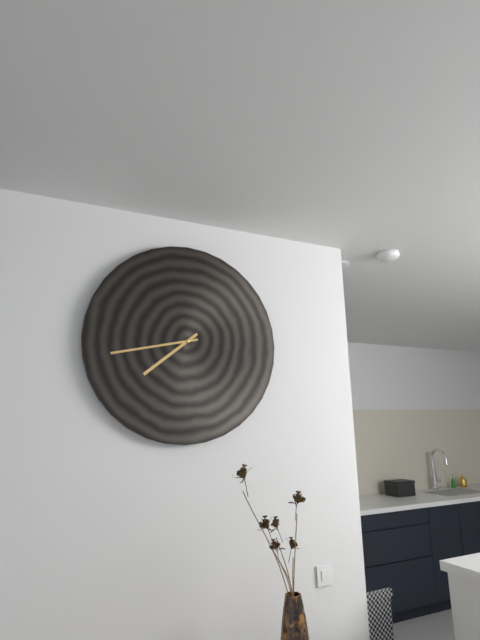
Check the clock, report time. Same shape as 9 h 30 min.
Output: 7 h 43 min
